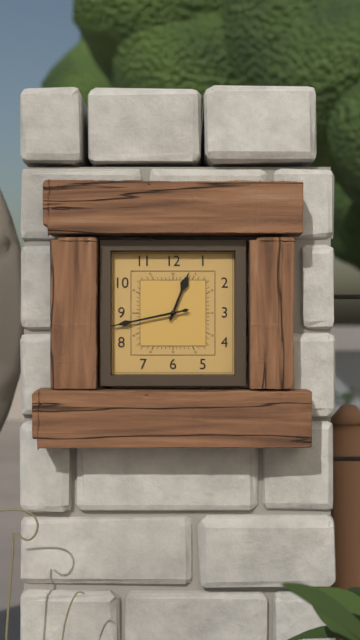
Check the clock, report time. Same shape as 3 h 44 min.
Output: 12 h 43 min
